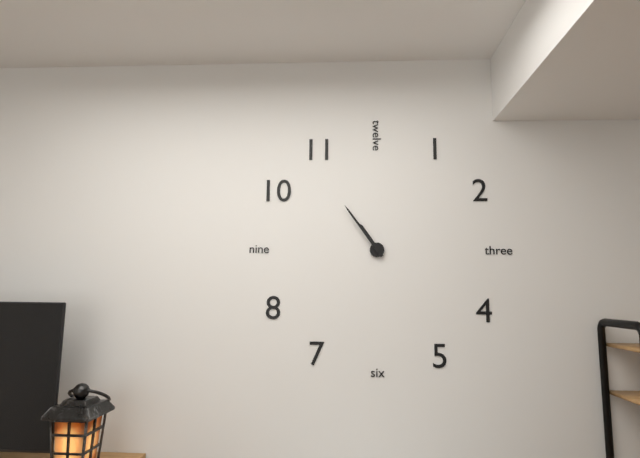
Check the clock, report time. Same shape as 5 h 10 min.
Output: 10 h 54 min
